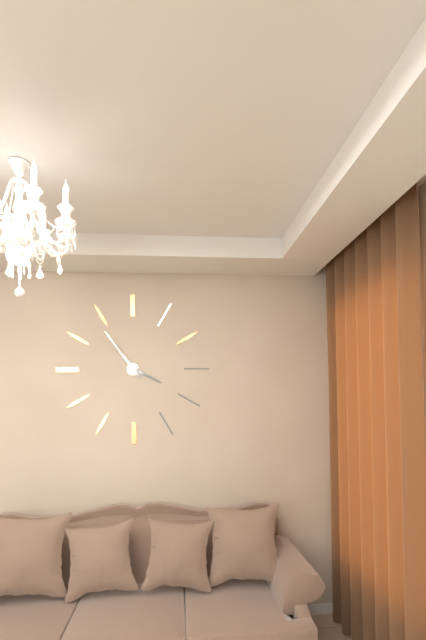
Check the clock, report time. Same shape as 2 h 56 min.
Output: 3 h 54 min
